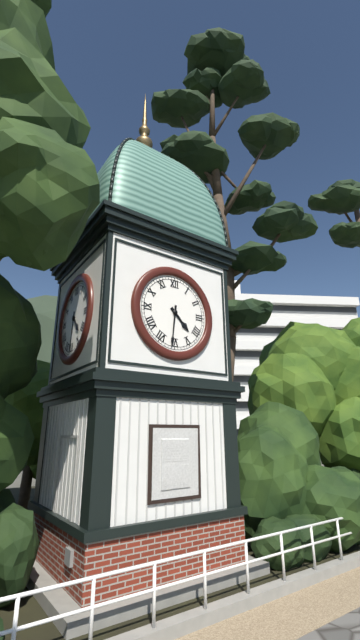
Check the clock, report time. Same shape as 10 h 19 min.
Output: 4 h 31 min
